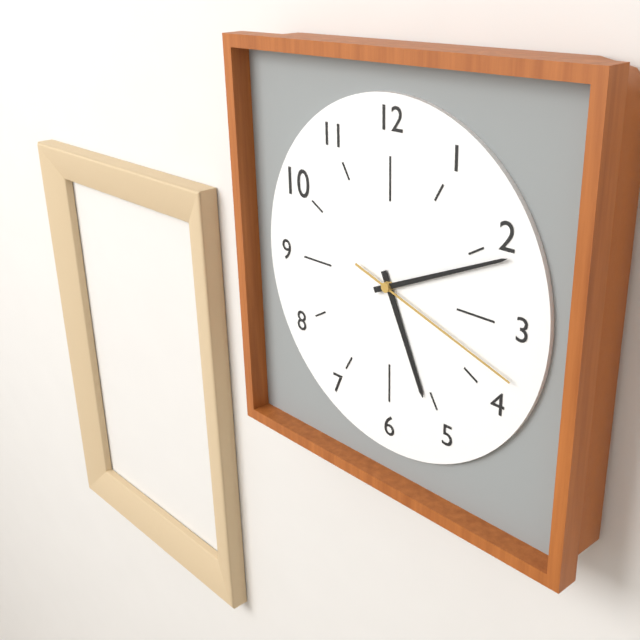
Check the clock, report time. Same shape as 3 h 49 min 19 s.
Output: 5 h 11 min 18 s
